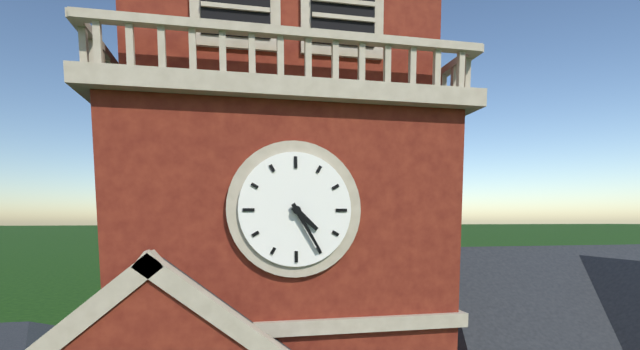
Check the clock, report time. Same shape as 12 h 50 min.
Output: 4 h 25 min
